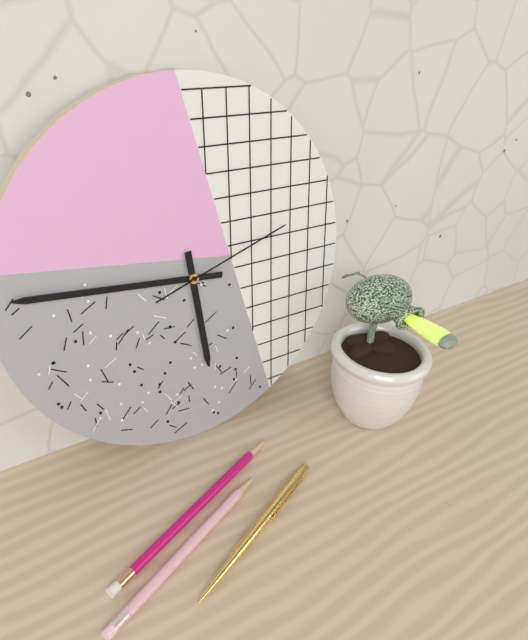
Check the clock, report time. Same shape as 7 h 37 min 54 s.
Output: 5 h 46 min 12 s
